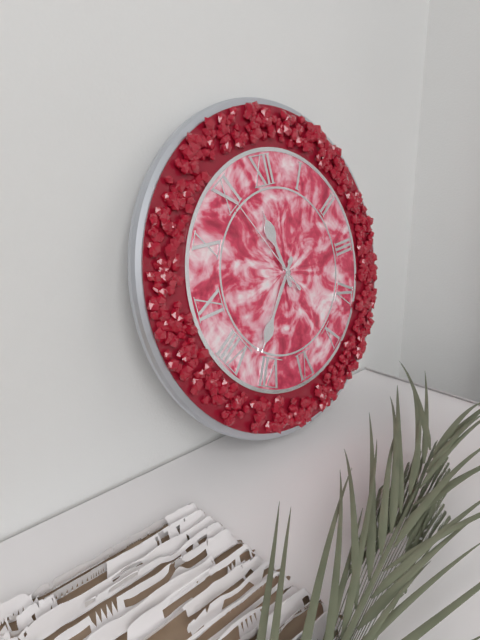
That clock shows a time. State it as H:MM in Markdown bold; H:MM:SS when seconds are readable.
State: **11:37:55**
